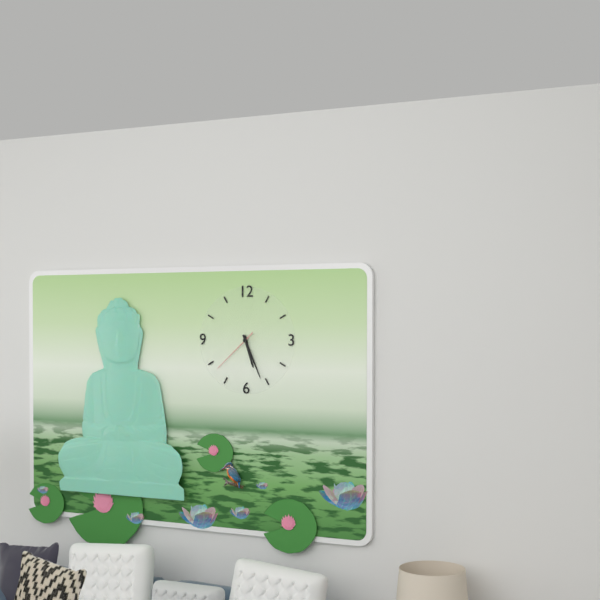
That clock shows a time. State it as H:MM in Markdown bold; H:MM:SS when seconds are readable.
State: **5:26:38**
